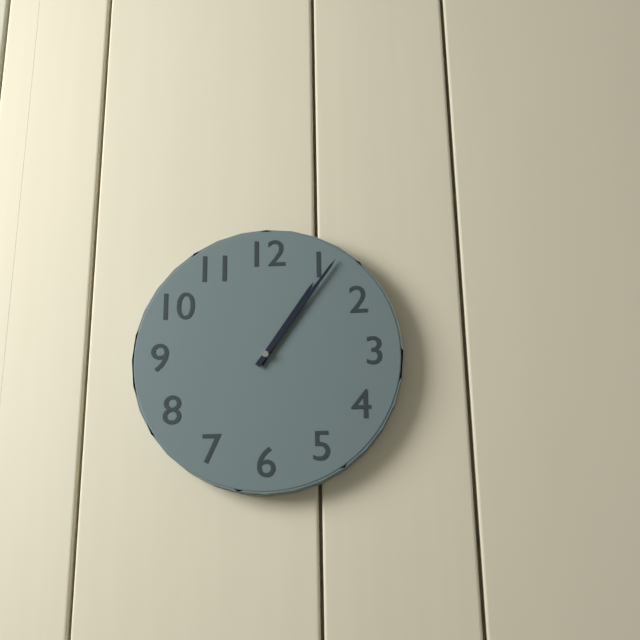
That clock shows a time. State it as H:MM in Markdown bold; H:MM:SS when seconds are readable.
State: **1:06**
